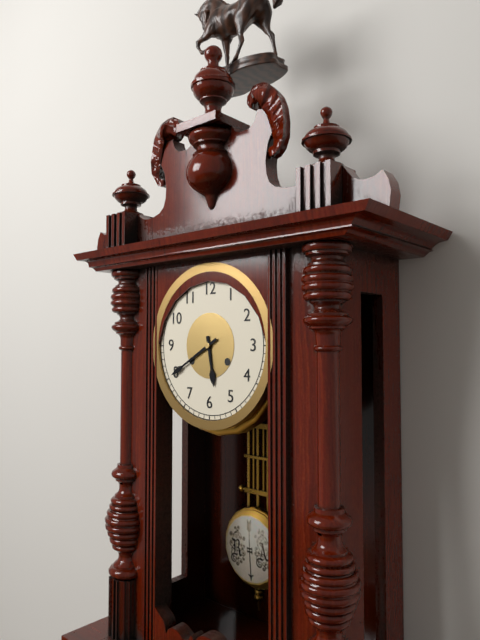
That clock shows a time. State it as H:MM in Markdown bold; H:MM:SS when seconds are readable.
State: **5:40**
